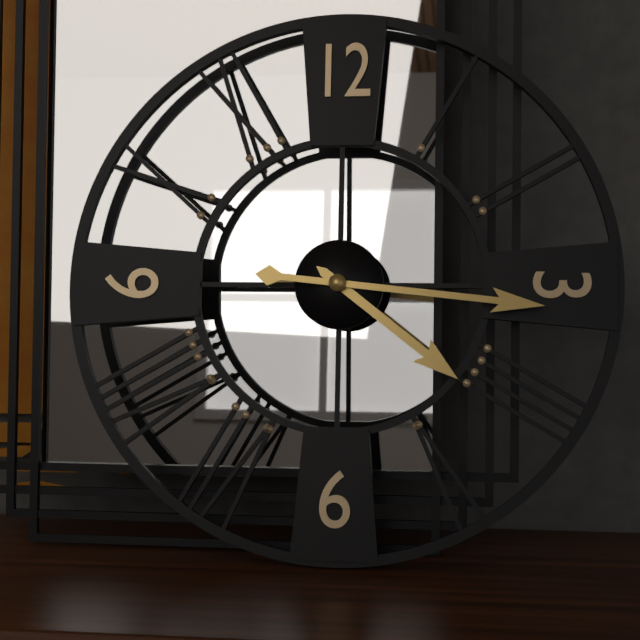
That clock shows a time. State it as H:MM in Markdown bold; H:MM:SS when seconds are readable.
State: **4:16**
